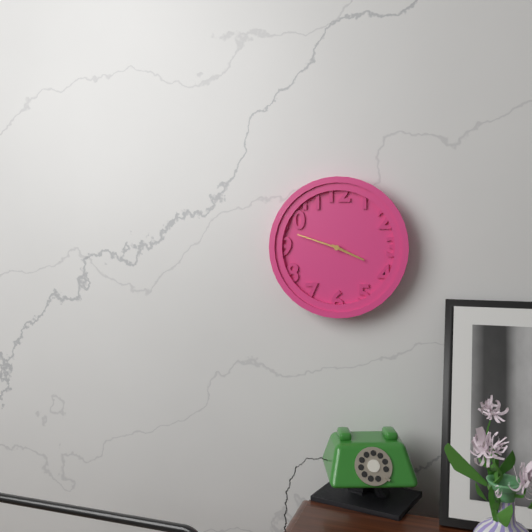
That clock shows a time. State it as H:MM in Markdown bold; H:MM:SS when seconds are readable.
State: **3:48**
